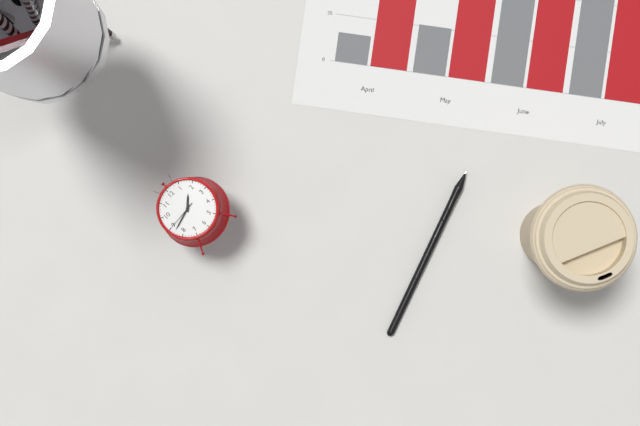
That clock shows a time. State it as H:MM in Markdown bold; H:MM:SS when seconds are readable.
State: **1:43**
